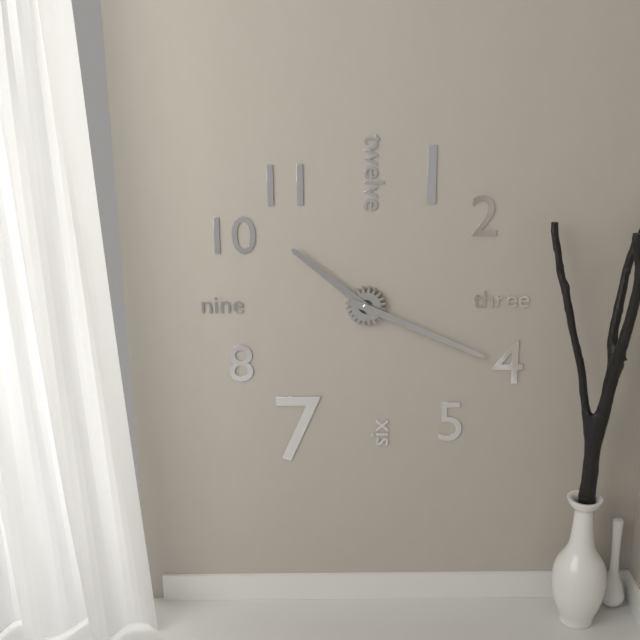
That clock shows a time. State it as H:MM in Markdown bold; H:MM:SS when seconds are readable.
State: **10:19**
